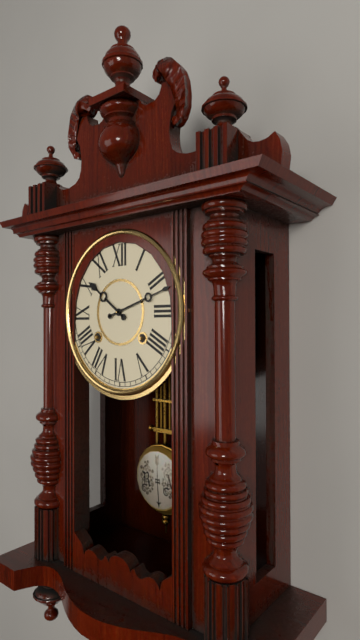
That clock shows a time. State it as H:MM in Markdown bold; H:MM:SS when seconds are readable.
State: **10:12**
